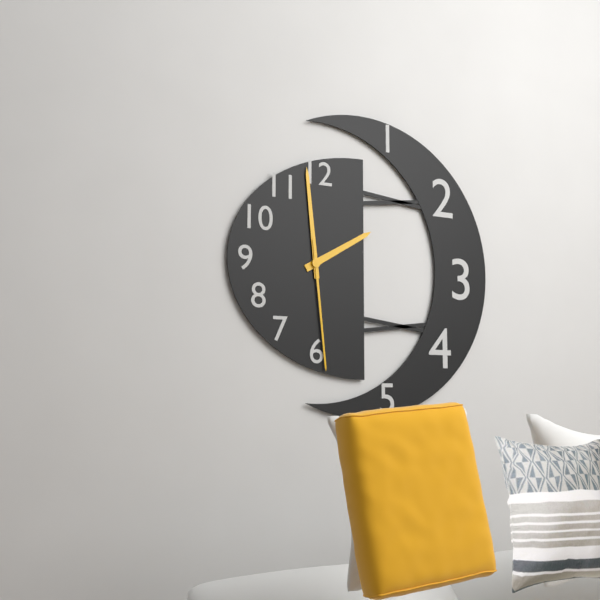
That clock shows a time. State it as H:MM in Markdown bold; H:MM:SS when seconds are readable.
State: **1:59:29**
